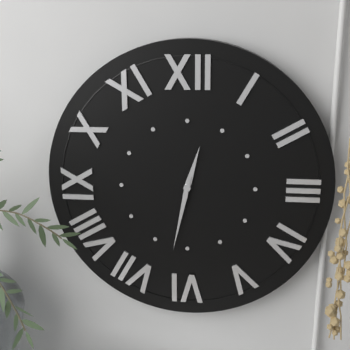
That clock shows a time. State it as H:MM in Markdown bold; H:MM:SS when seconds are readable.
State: **12:32**
